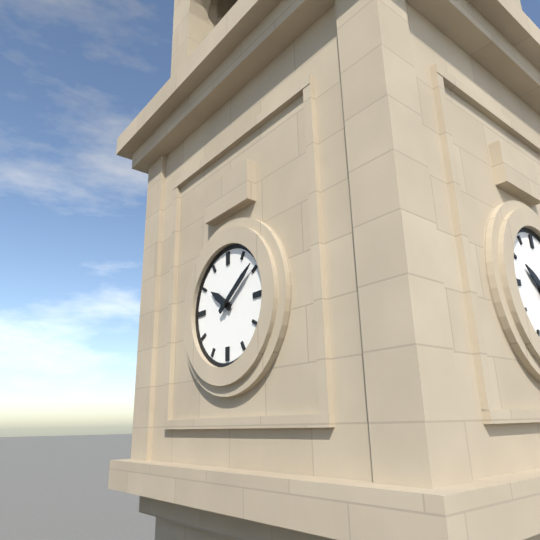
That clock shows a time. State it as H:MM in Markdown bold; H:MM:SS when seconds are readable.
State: **10:09**
